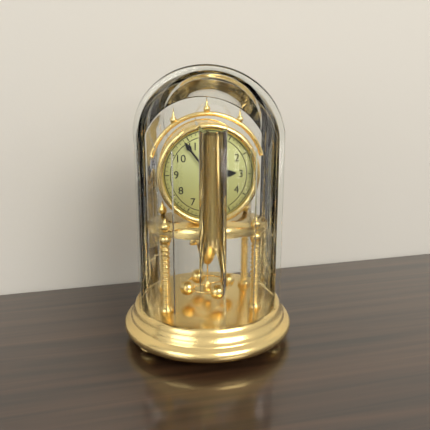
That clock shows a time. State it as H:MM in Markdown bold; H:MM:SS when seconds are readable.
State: **2:54**
